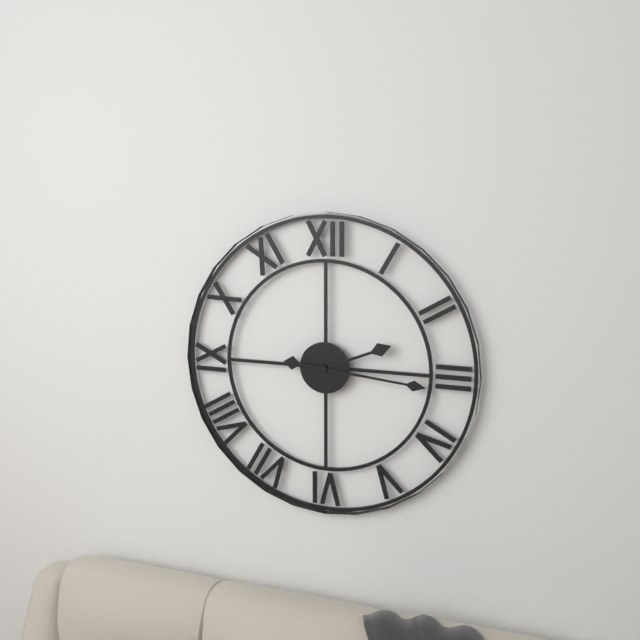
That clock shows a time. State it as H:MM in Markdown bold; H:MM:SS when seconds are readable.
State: **2:16**
